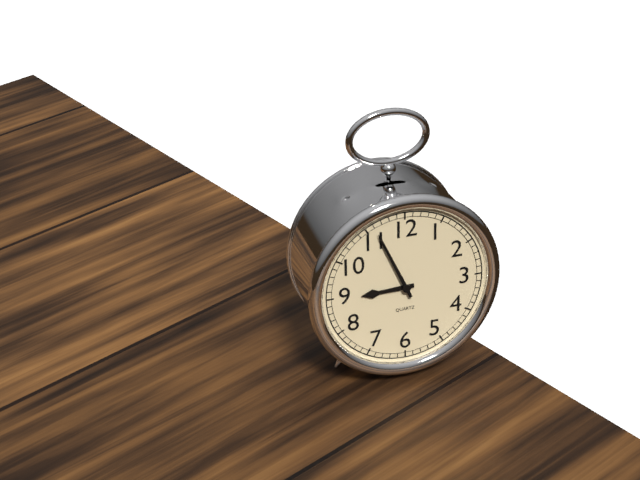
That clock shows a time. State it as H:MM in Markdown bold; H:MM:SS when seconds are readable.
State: **8:56**
